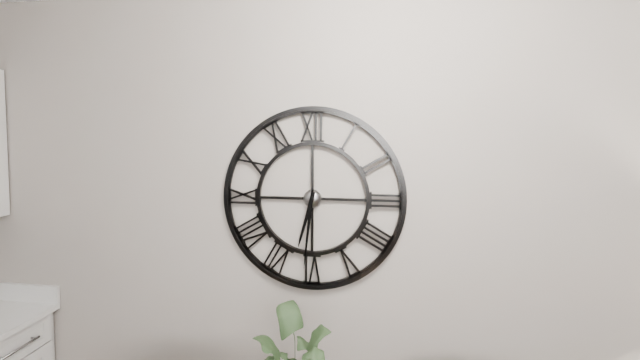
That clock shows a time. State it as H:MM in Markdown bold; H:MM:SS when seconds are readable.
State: **6:31**
